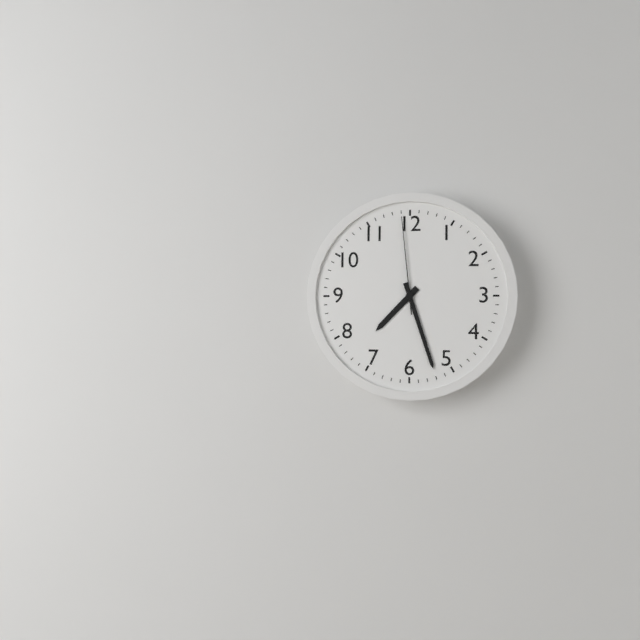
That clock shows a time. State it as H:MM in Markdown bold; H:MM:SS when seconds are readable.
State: **7:27:59**
